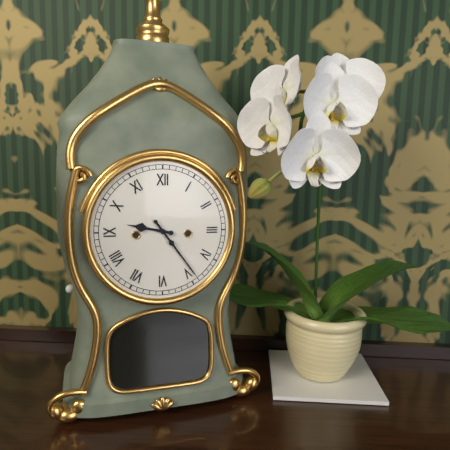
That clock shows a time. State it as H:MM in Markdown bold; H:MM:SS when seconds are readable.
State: **9:24**
